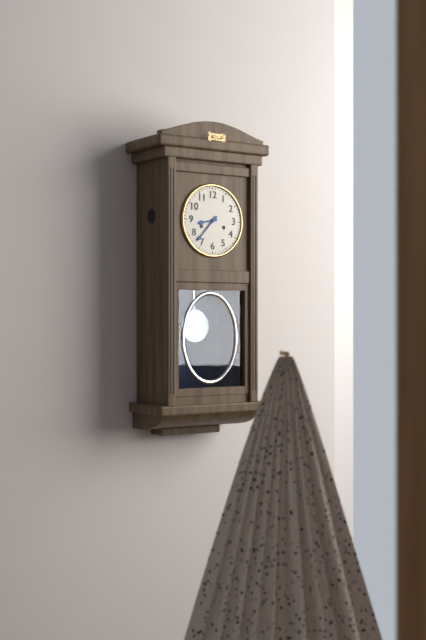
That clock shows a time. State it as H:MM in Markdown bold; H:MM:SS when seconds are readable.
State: **8:37**
